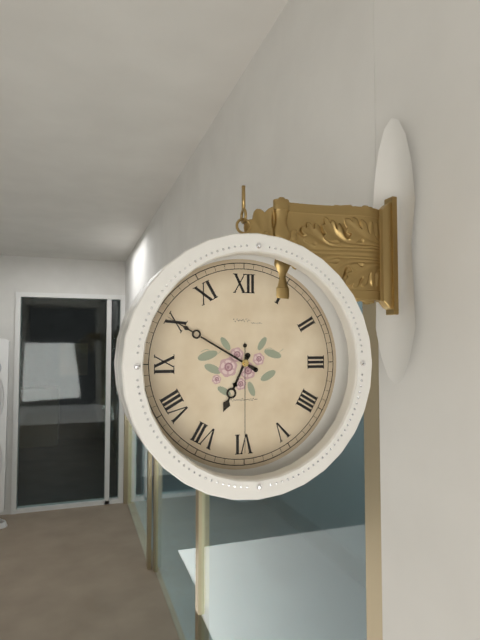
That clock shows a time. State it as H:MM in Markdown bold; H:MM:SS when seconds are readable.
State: **6:50:30**
